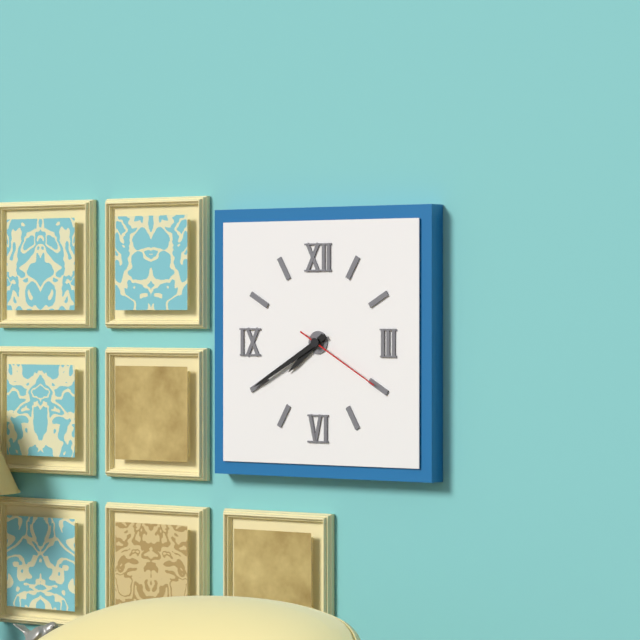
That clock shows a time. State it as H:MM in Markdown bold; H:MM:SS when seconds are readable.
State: **7:40:20**
